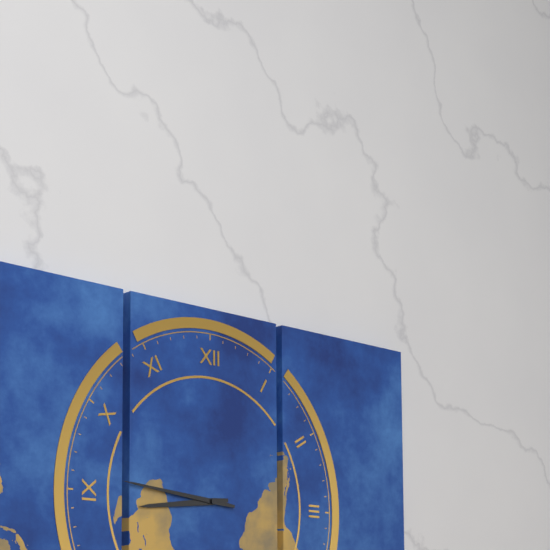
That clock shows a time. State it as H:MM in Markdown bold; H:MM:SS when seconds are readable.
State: **8:46**
